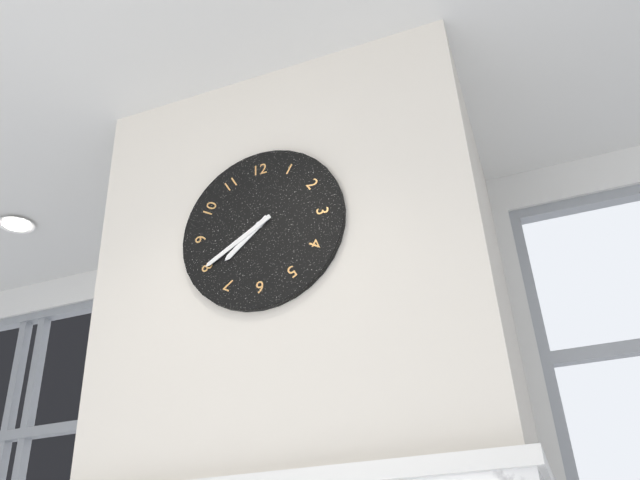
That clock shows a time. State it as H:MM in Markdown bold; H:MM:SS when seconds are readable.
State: **7:40**
